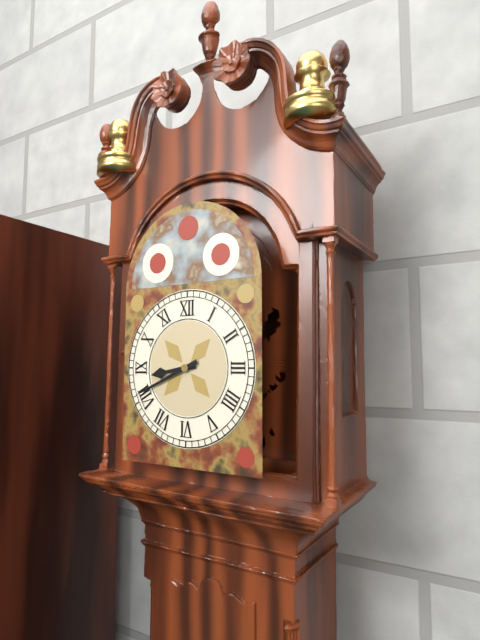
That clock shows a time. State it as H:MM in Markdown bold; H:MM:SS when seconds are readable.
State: **8:41**
